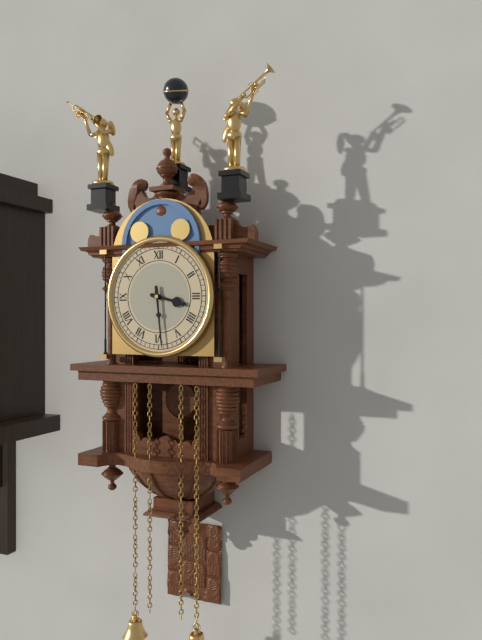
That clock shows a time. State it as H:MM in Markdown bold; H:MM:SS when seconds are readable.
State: **3:29**
